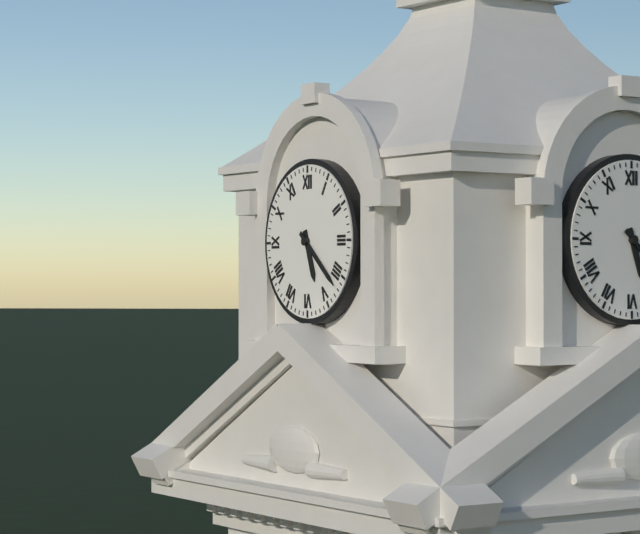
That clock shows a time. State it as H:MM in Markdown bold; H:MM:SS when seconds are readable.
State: **5:22**
